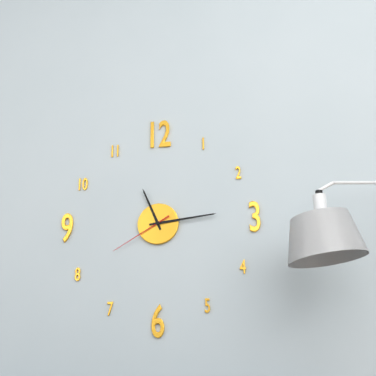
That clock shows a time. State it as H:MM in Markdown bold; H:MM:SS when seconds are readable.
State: **11:14:40**
